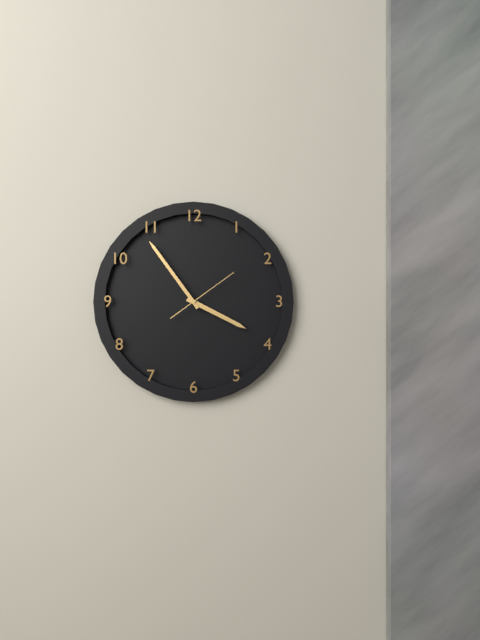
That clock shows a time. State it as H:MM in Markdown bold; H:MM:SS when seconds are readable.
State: **3:54:09**
